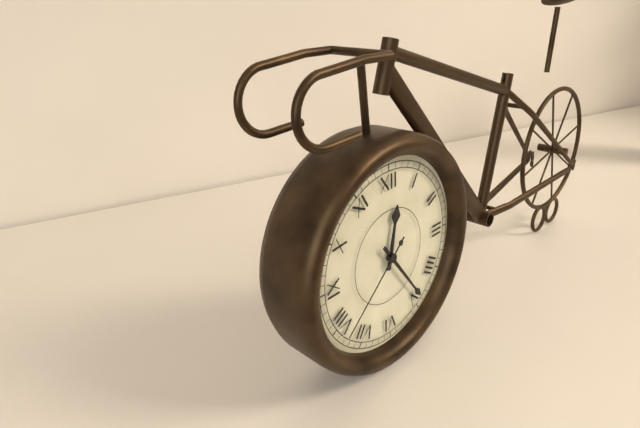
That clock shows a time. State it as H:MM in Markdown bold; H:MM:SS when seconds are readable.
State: **12:24:38**
